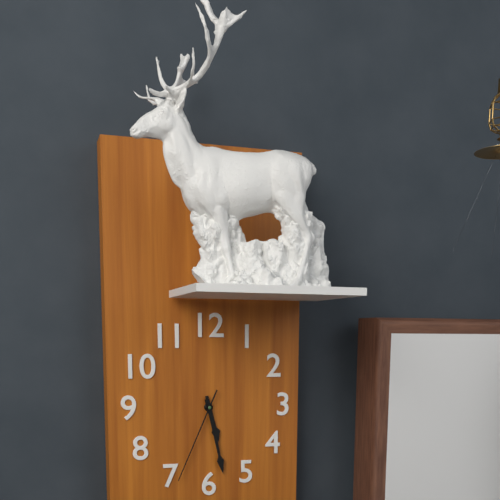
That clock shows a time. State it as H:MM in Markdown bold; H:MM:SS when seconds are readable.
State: **5:28:34**
